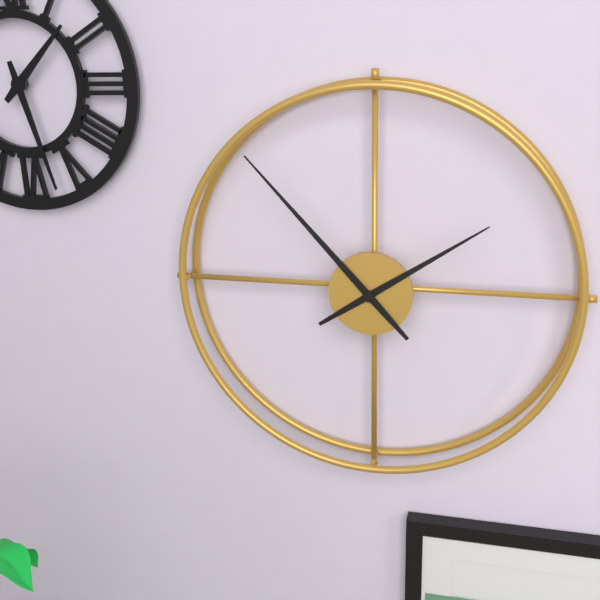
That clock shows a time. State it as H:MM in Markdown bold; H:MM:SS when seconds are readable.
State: **1:53**
